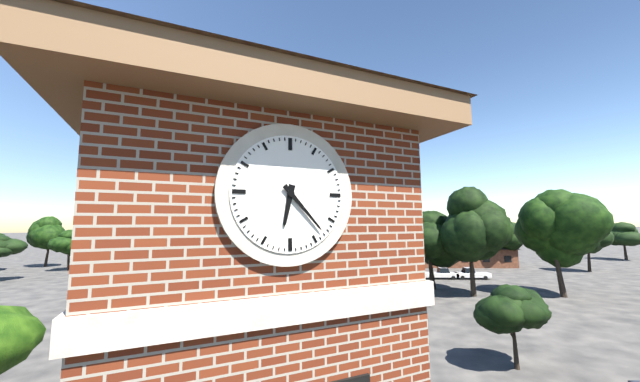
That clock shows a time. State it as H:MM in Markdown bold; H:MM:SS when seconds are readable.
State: **6:23**
